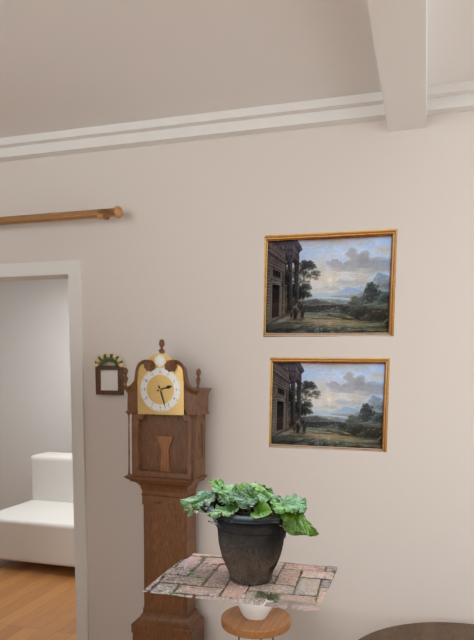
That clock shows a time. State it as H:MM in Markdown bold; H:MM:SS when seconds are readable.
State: **2:27**
